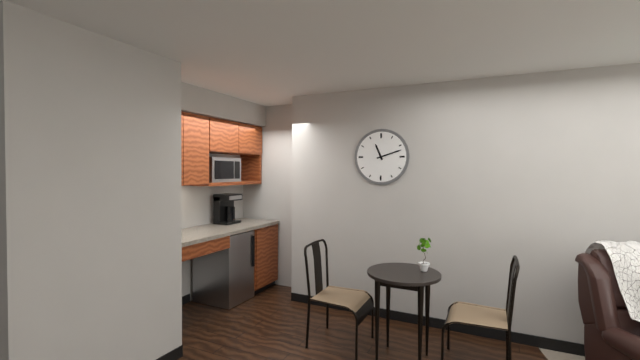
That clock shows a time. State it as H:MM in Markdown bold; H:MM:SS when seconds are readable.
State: **11:12**
